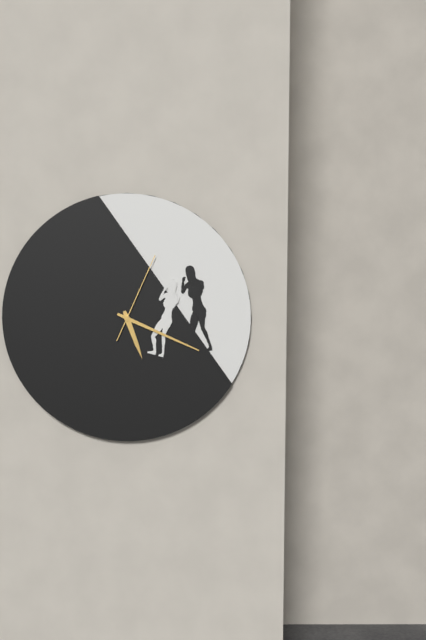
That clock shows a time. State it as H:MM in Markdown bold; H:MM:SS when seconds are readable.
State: **5:19:04**
